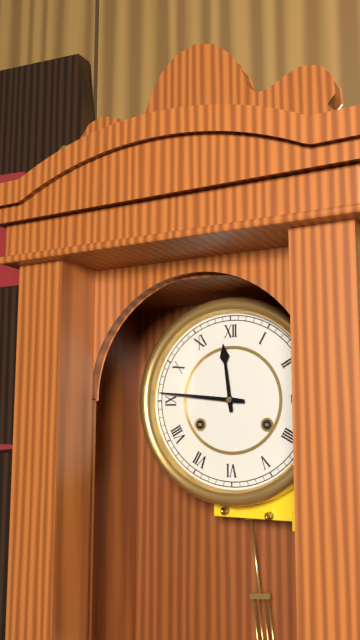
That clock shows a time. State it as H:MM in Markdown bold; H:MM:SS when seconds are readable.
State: **11:46**
